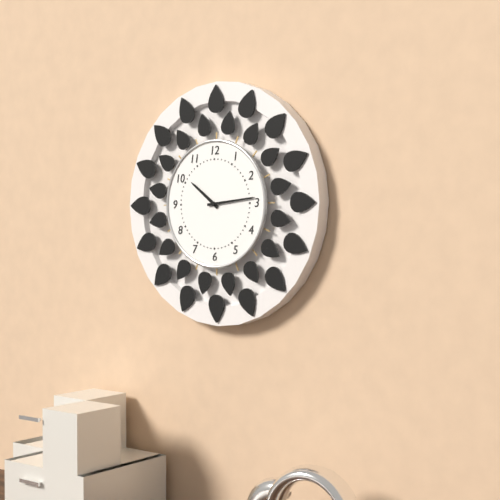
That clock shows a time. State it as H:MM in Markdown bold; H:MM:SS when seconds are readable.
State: **10:14**
